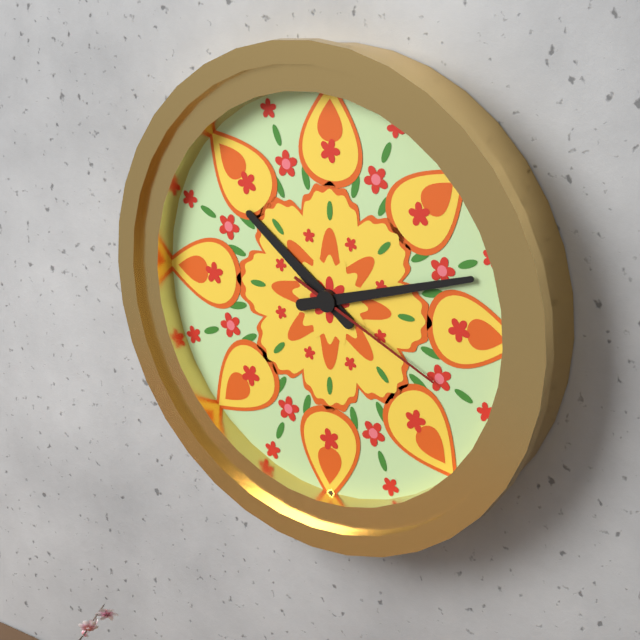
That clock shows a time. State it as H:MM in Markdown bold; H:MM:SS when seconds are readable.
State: **10:12:19**
